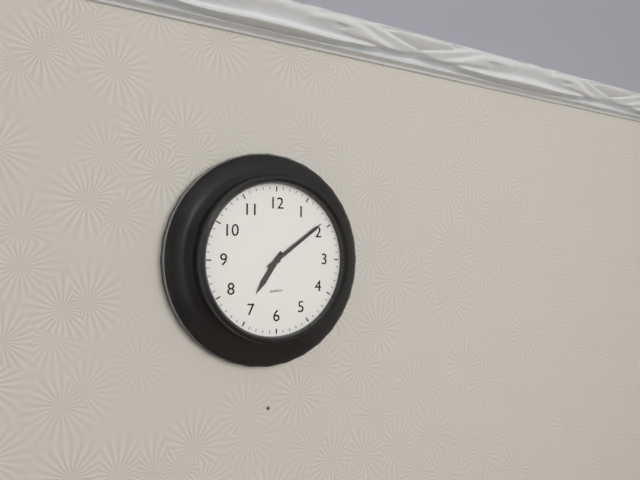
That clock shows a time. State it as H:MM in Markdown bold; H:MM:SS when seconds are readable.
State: **7:09**
